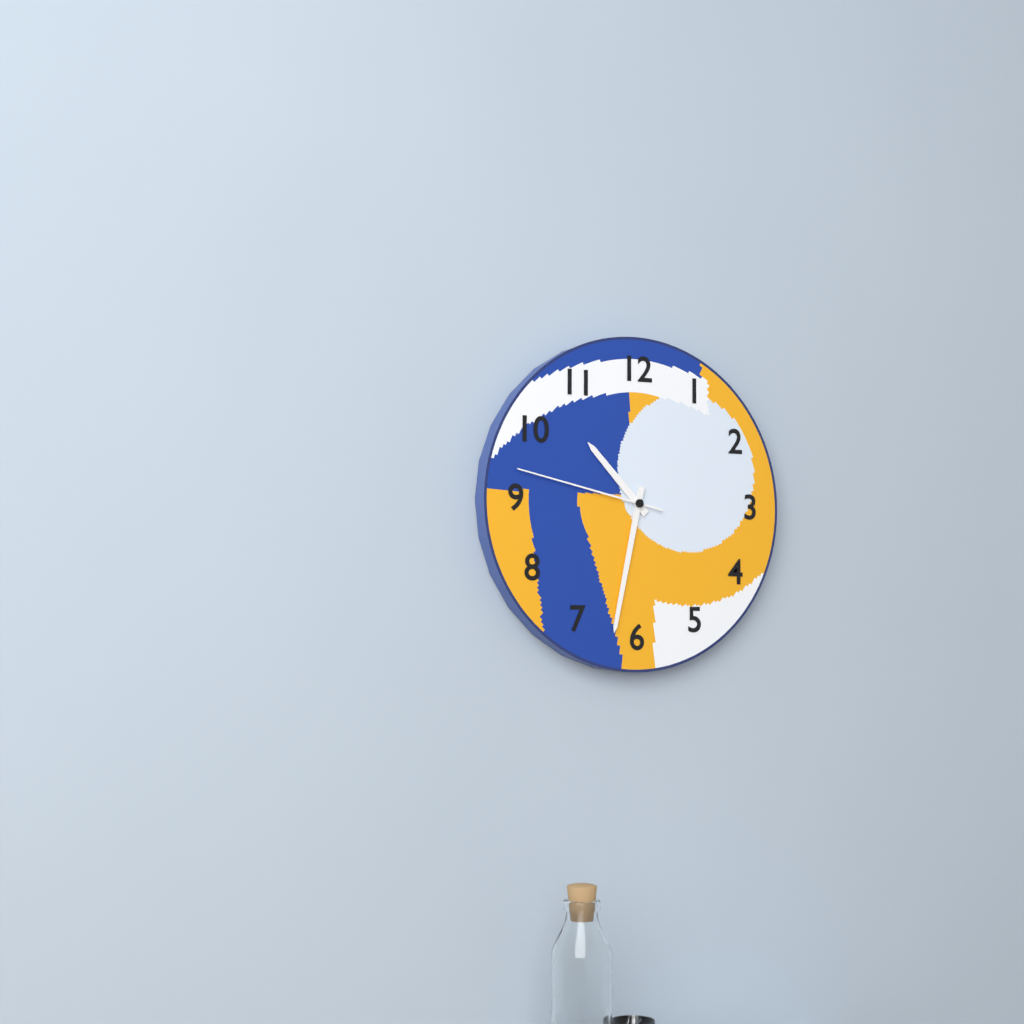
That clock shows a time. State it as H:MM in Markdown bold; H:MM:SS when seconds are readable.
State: **10:32:47**
